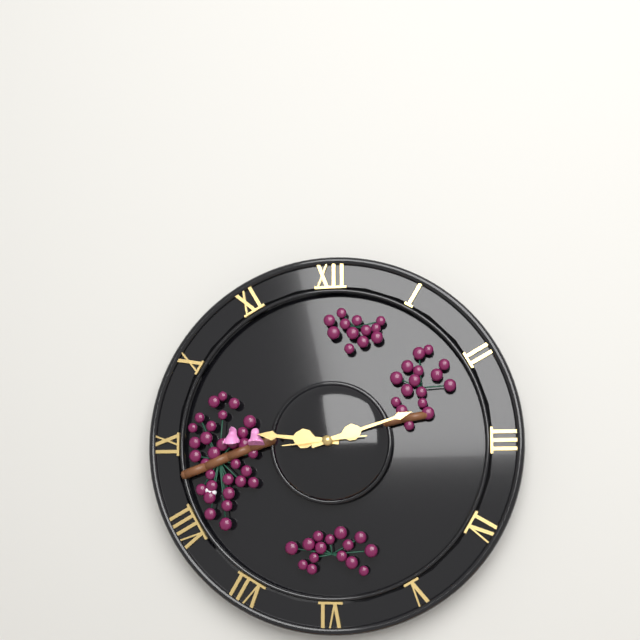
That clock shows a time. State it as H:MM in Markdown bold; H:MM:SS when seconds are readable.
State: **9:12:44**
